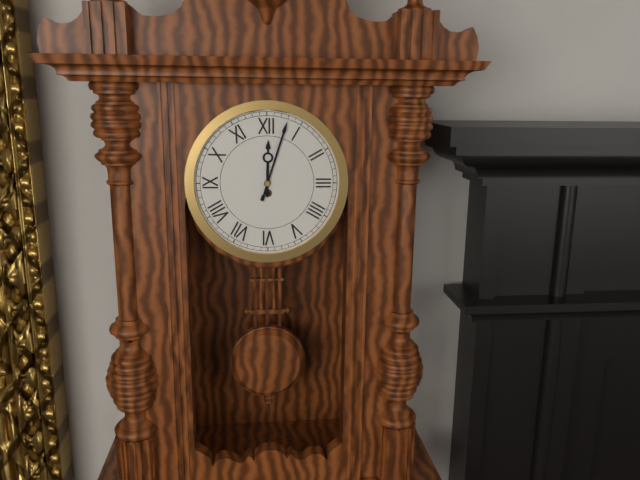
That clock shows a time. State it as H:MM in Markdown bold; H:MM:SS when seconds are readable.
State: **12:03**
